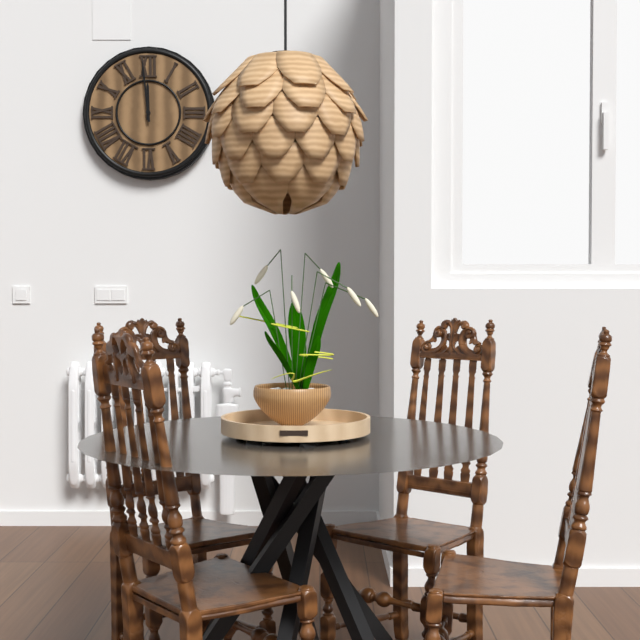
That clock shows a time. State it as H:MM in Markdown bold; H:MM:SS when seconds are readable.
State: **11:59**
